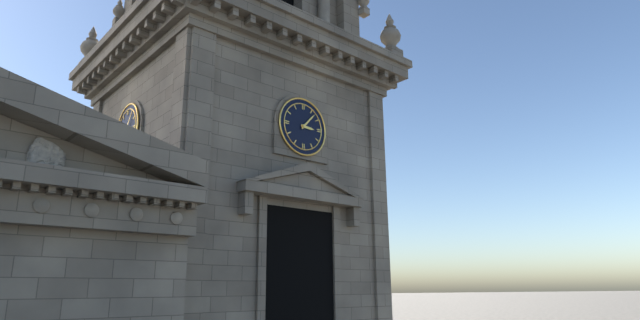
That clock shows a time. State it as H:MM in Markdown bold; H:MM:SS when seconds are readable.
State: **3:07**
